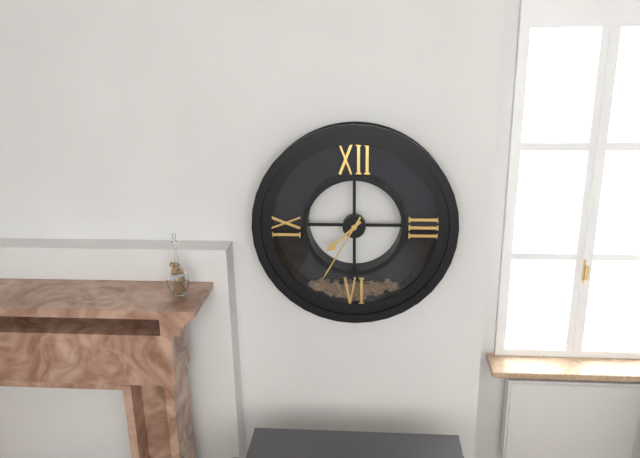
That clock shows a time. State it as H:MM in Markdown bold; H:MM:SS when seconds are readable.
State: **7:35**
